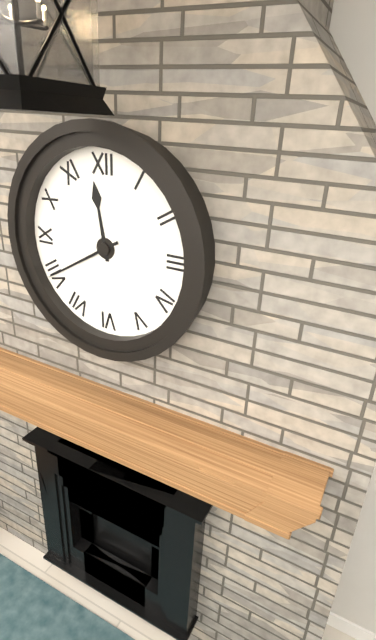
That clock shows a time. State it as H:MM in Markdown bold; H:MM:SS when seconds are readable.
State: **11:40**
